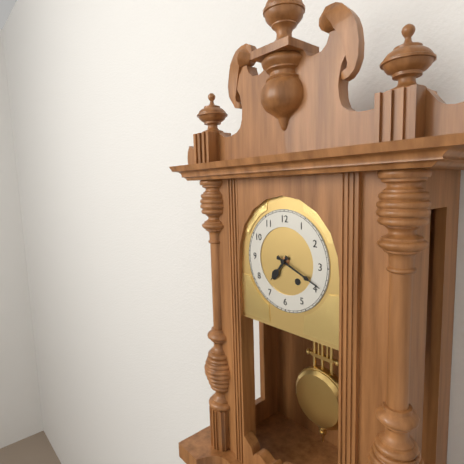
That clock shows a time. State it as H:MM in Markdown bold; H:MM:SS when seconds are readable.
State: **7:19**
